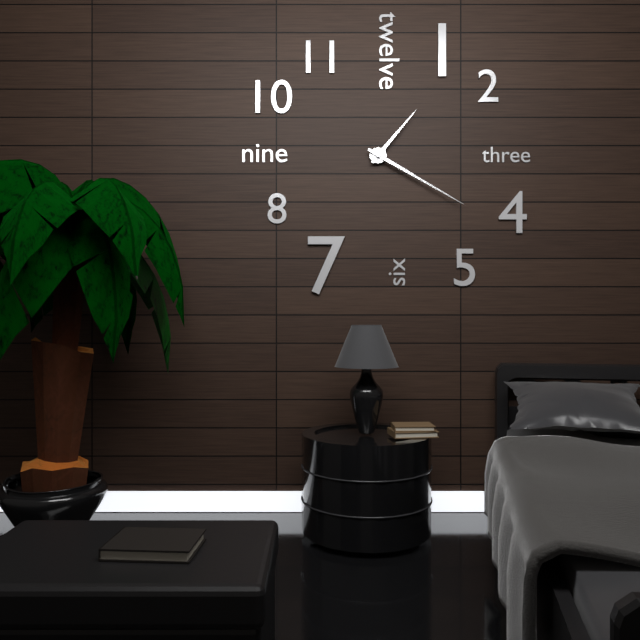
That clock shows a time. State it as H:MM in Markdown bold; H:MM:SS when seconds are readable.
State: **1:20**
